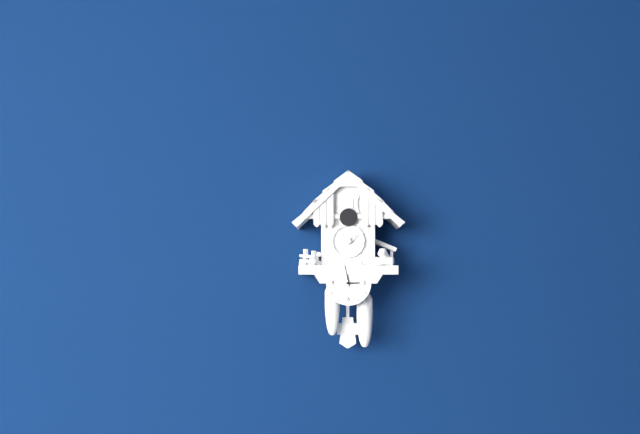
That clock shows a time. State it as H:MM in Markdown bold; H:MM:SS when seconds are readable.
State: **2:58**
